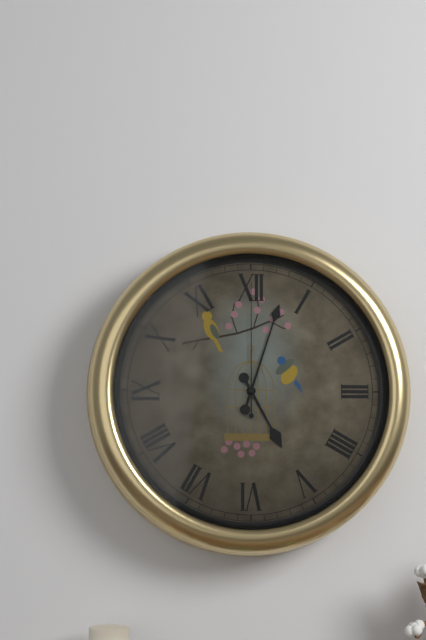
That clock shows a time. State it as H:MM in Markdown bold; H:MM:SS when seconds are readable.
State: **5:03:00**
